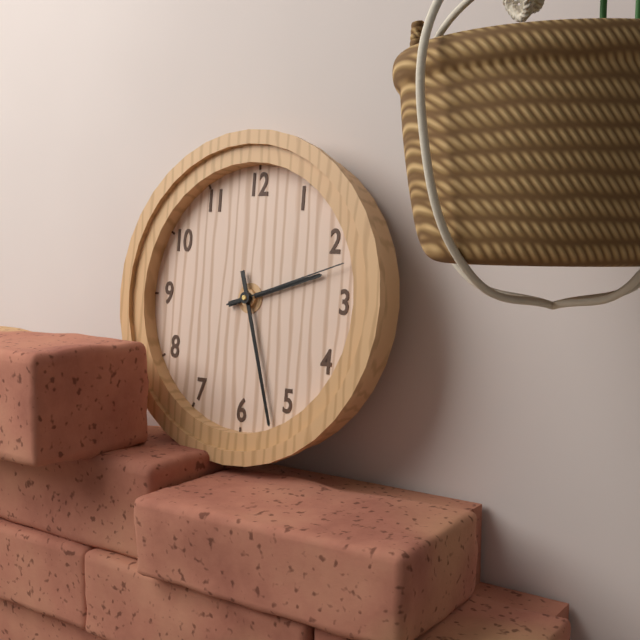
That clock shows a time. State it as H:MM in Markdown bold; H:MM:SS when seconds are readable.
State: **2:27:12**
